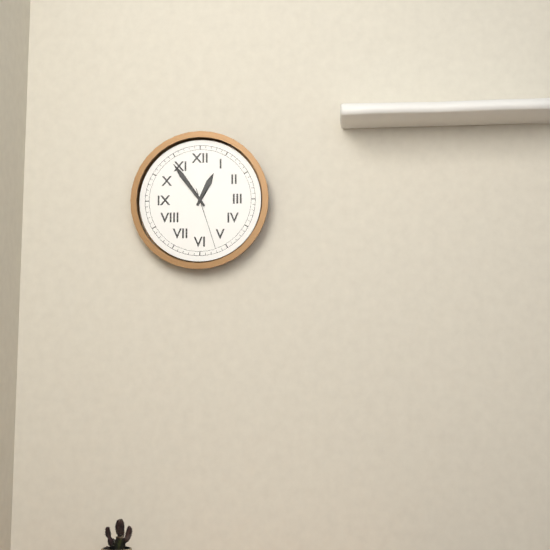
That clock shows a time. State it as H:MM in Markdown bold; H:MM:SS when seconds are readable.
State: **12:54:27**
